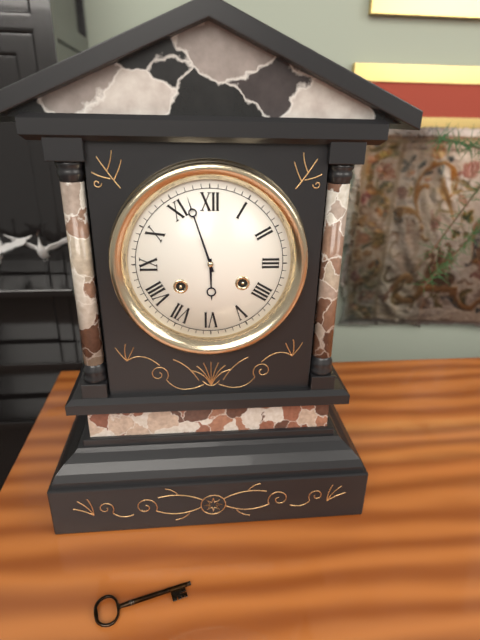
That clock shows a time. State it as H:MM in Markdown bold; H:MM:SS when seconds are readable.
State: **5:57**
